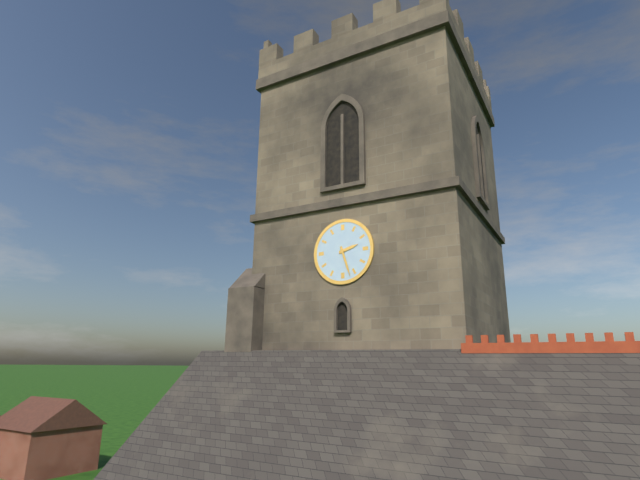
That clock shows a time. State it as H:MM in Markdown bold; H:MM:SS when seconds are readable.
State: **2:27**
